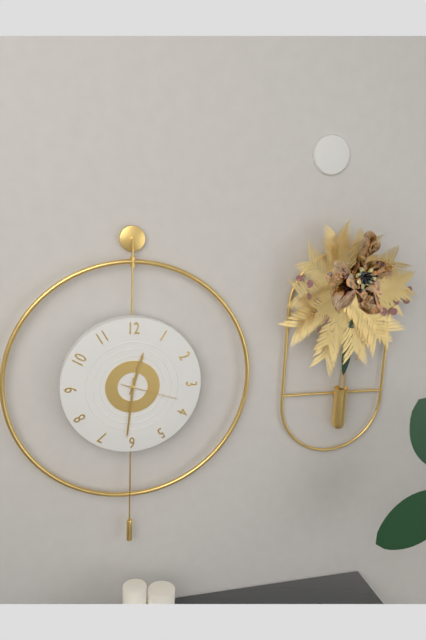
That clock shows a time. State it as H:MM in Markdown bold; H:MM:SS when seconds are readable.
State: **12:31:18**
